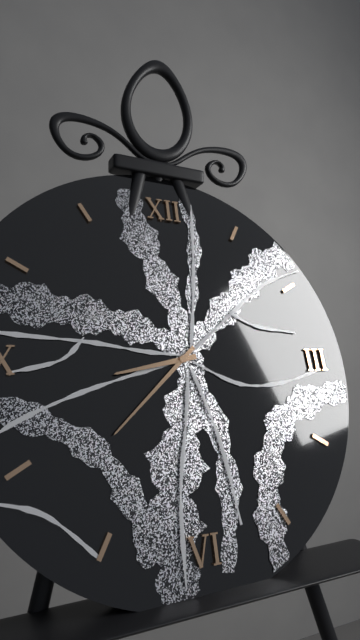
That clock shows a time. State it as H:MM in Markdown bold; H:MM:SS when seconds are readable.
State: **8:38**
